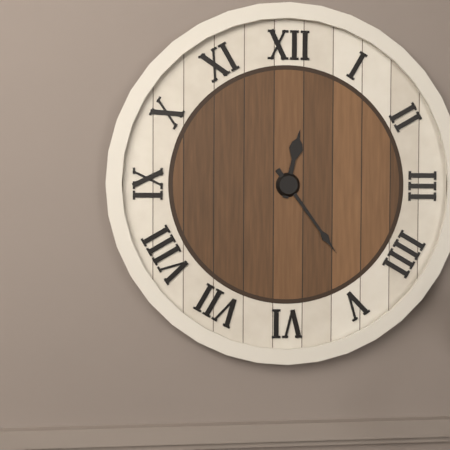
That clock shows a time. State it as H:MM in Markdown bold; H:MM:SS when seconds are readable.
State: **12:24**
